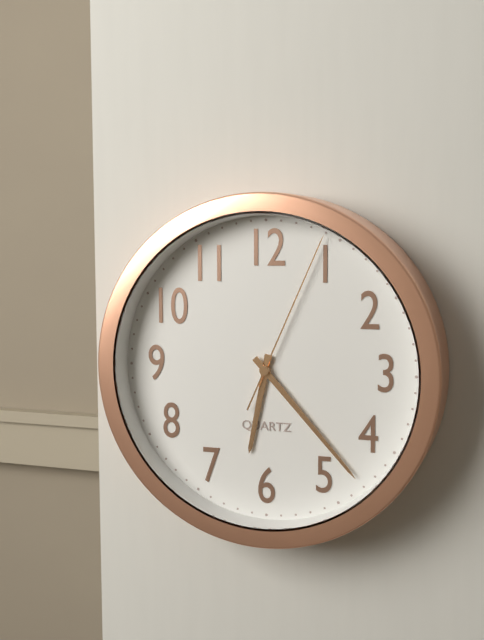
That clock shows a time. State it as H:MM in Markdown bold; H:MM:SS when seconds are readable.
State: **6:23:04**
